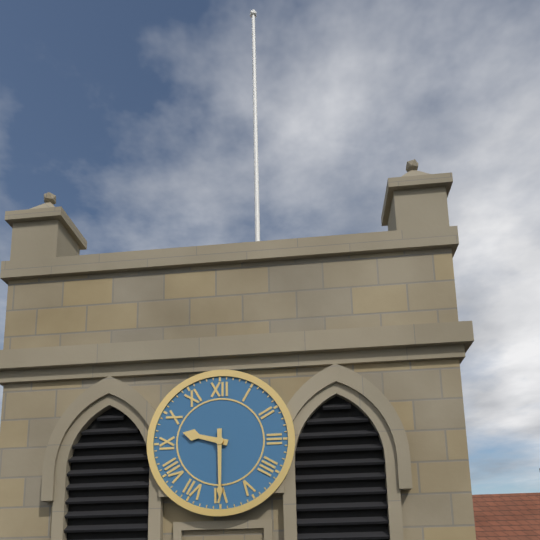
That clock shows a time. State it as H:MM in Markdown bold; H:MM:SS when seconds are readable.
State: **9:30**
